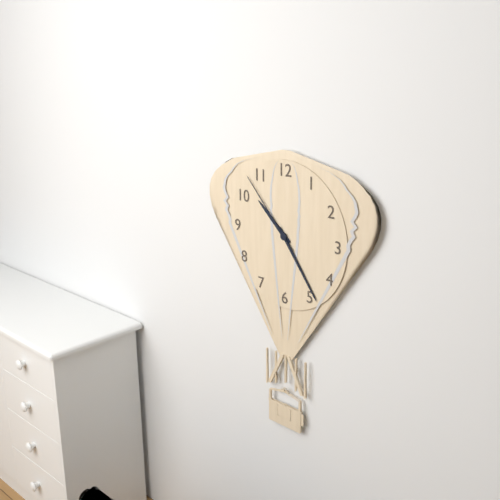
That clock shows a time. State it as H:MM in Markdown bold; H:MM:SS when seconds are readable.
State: **10:24:53**
